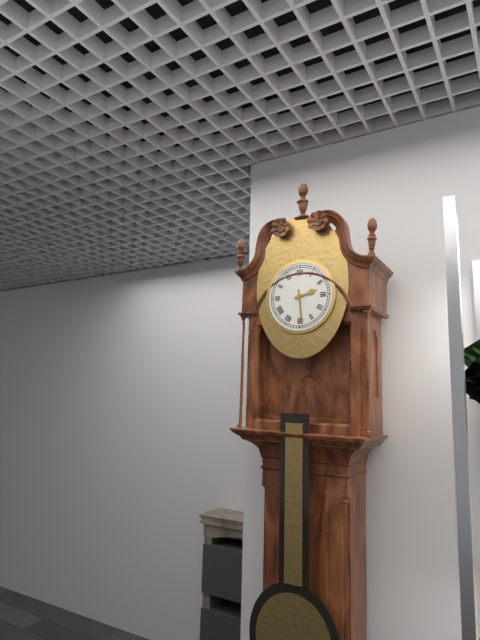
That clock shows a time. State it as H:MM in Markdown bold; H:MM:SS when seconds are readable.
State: **2:29**
